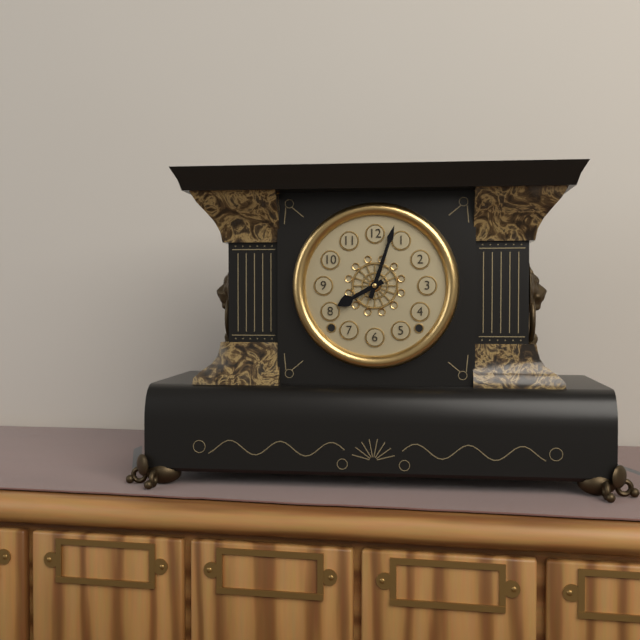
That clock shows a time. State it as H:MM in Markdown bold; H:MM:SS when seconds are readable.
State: **8:03**
